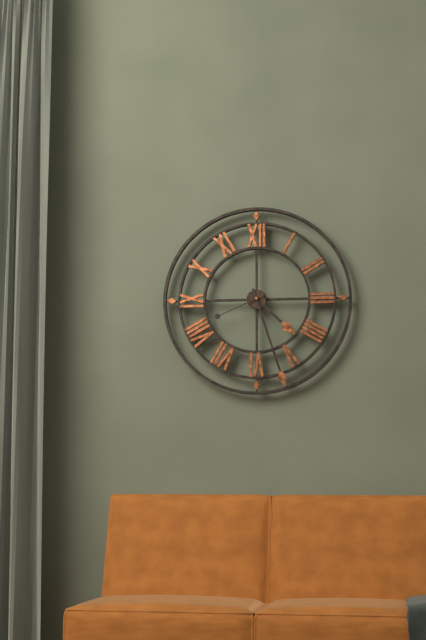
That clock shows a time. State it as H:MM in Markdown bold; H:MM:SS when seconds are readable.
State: **4:27:41**
